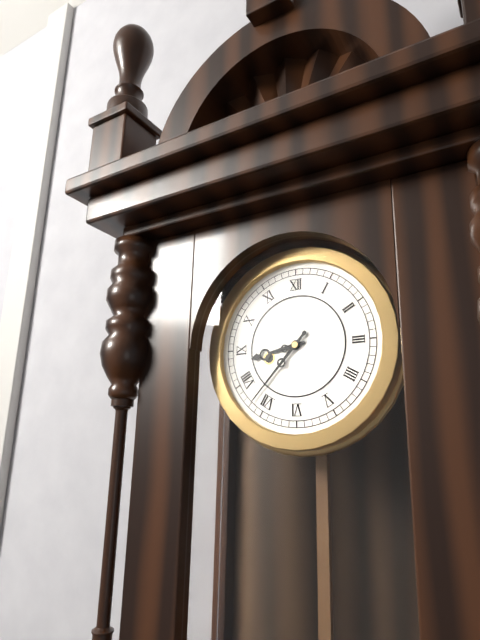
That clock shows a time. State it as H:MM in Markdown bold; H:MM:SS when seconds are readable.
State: **8:37**
